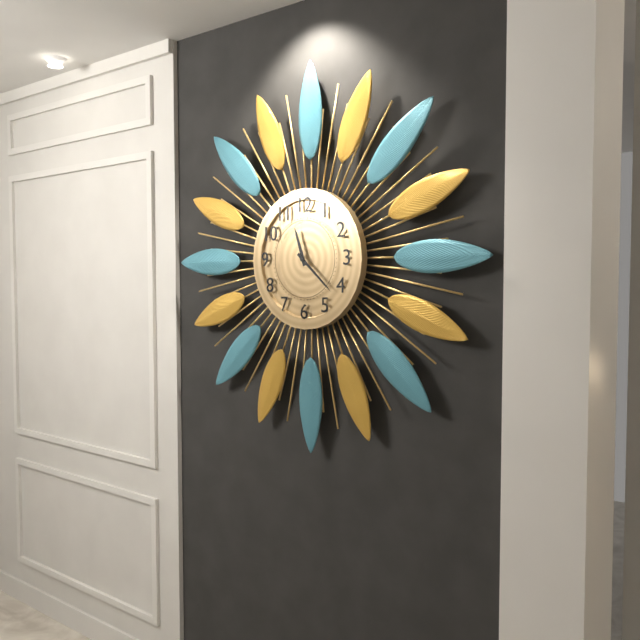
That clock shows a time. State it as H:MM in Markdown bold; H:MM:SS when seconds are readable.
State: **11:22**
